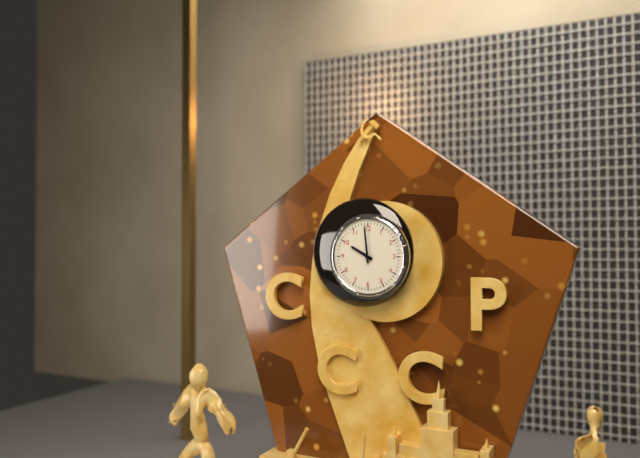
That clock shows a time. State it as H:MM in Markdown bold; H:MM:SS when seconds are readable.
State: **9:59**
